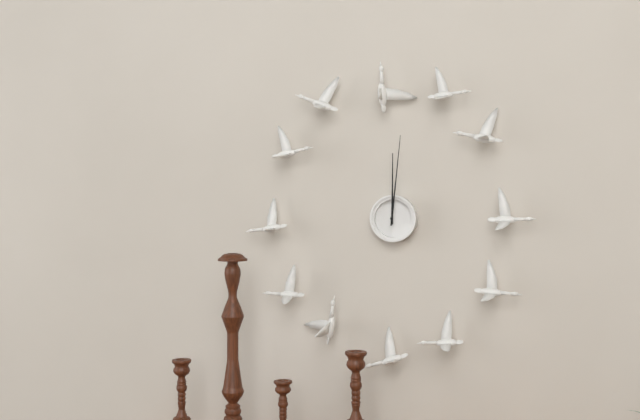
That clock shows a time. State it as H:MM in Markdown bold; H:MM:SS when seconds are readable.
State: **12:01**
